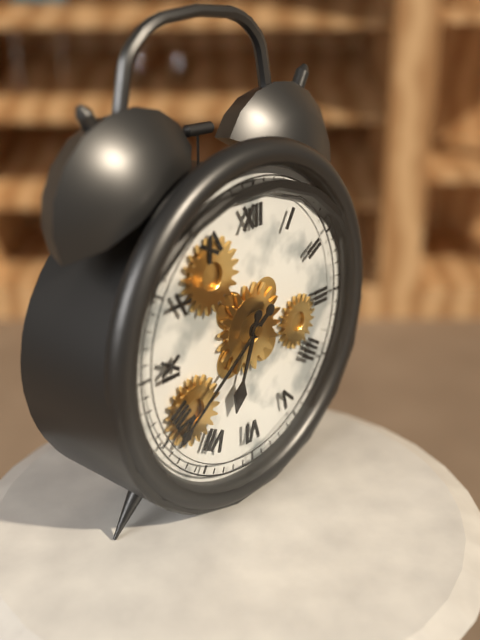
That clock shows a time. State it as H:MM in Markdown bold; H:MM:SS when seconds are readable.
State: **6:39**
